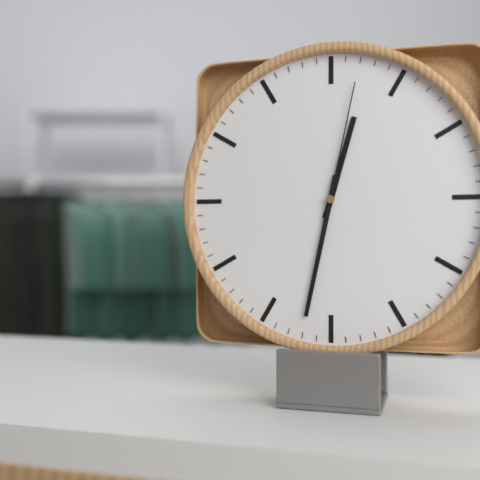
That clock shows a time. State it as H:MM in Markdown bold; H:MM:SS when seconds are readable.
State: **12:32:02**
